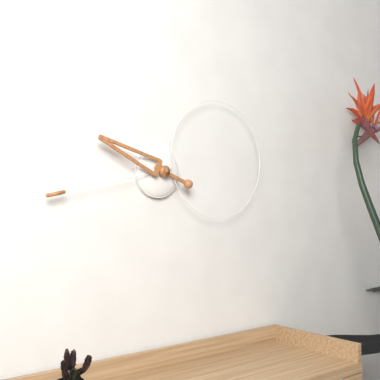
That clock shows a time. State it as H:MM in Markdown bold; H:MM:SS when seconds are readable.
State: **9:43**
